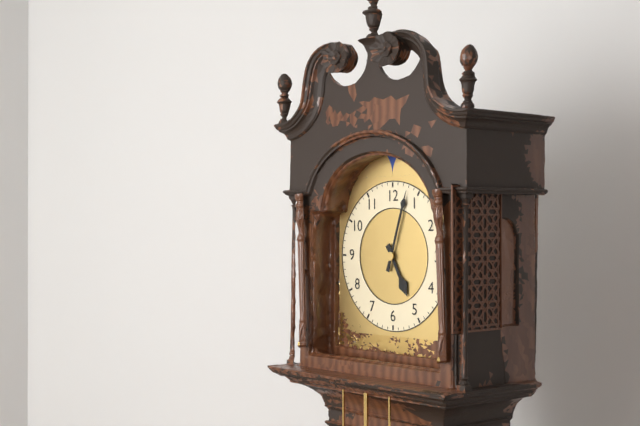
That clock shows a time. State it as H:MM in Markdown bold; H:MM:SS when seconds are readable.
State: **5:03**
